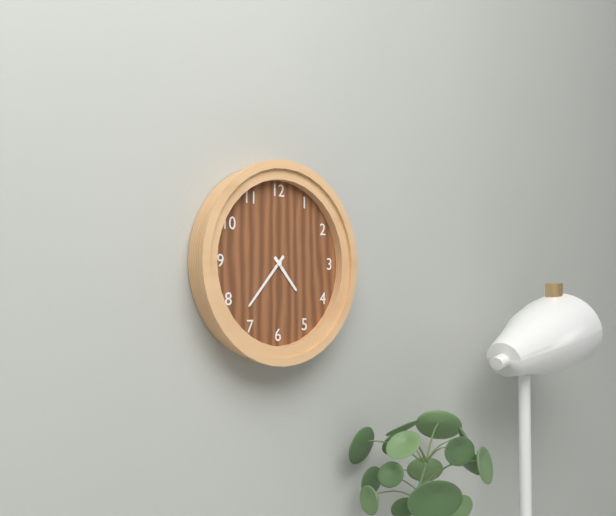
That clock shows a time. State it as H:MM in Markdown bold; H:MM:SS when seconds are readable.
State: **4:37**
